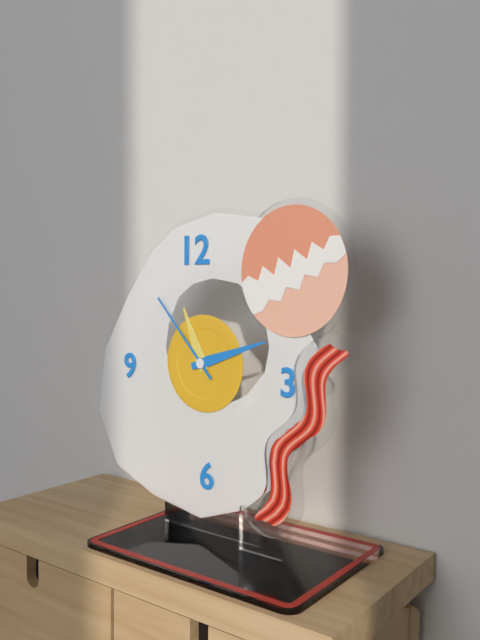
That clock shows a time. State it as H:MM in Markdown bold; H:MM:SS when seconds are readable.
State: **11:12:53**
